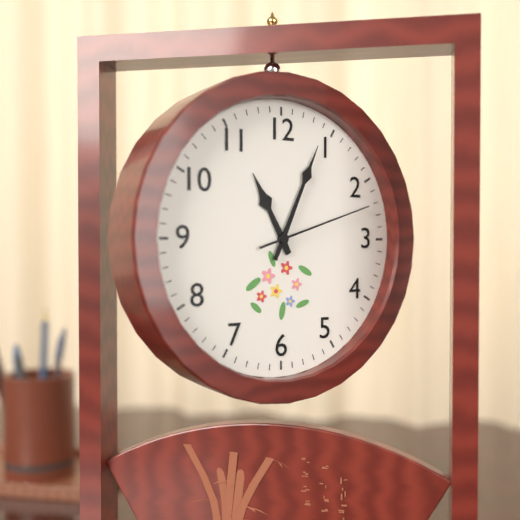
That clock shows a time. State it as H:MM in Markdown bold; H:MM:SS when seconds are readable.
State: **11:04:12**
